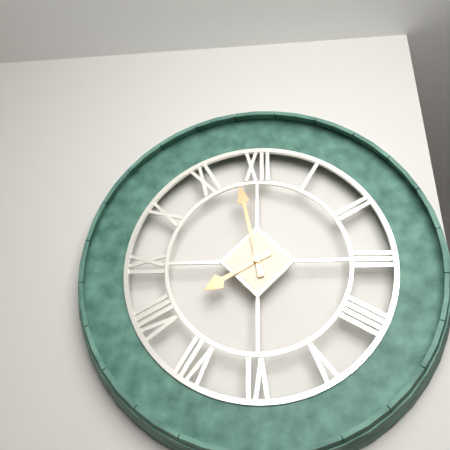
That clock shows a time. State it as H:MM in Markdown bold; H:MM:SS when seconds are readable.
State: **7:58**
